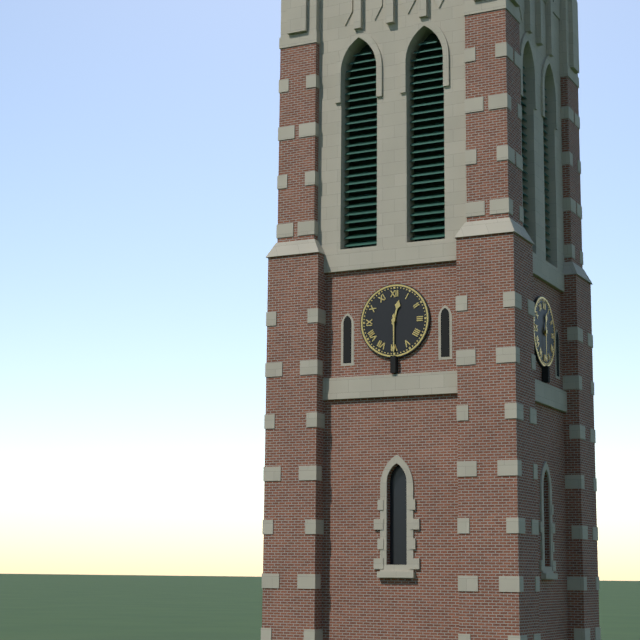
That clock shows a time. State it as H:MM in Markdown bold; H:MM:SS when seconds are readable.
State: **12:30**
